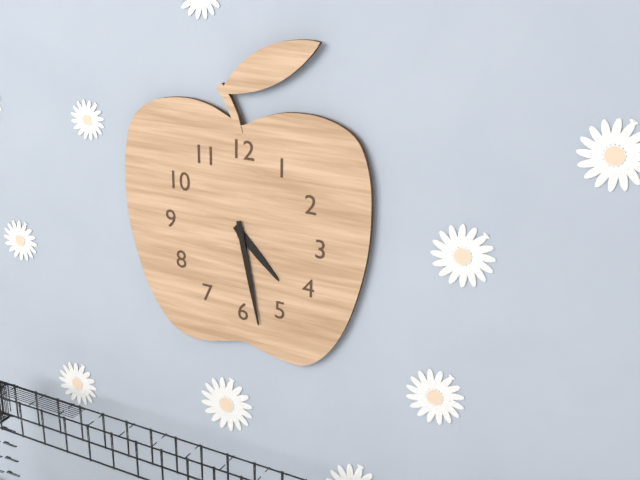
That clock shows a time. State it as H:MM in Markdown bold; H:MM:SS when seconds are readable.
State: **4:28**
